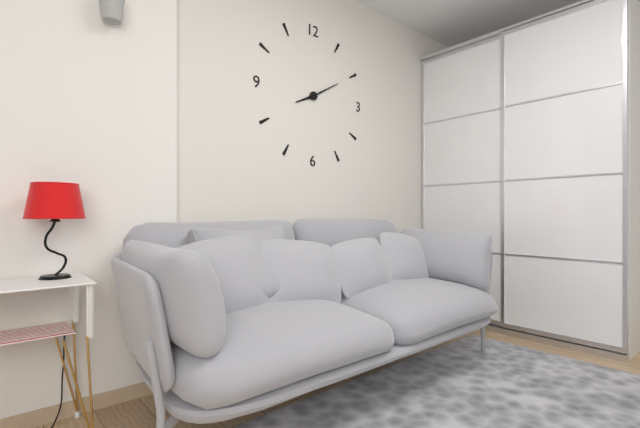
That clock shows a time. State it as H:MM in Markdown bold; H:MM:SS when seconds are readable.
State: **8:10**
